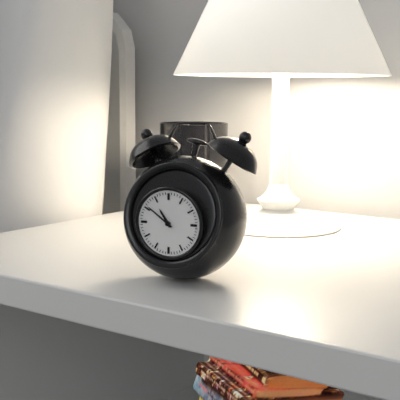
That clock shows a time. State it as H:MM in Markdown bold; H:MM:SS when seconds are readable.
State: **10:51**
